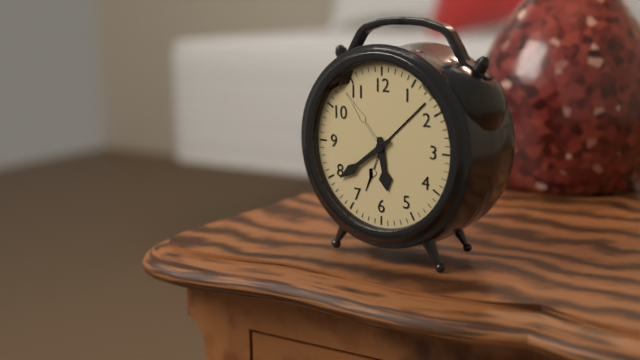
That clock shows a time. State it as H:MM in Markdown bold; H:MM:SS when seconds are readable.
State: **5:39**
